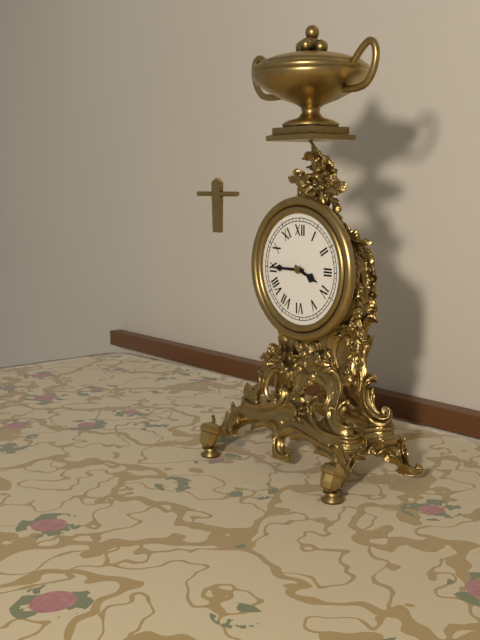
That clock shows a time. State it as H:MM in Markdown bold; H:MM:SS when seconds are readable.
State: **3:45**
